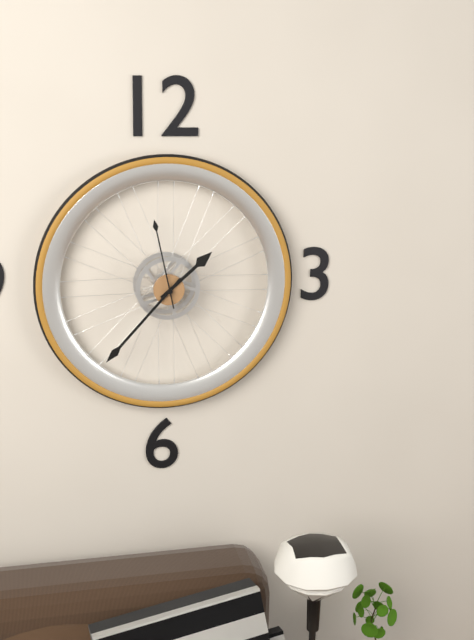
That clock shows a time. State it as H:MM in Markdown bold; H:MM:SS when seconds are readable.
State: **1:37:58**
